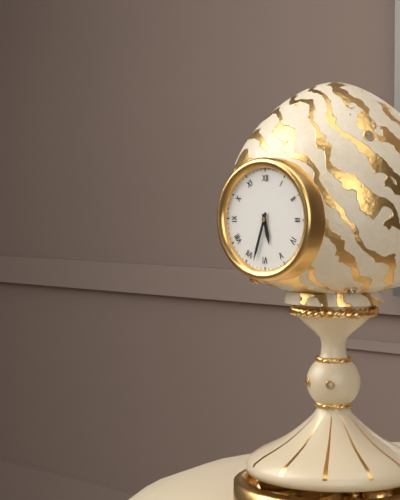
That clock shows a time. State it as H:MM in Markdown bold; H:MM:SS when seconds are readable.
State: **5:33**
